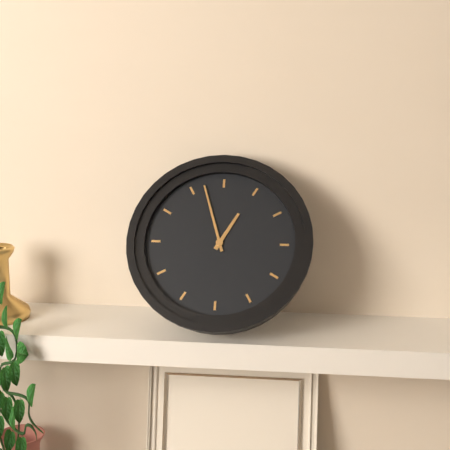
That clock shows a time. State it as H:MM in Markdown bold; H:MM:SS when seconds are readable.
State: **12:57**
